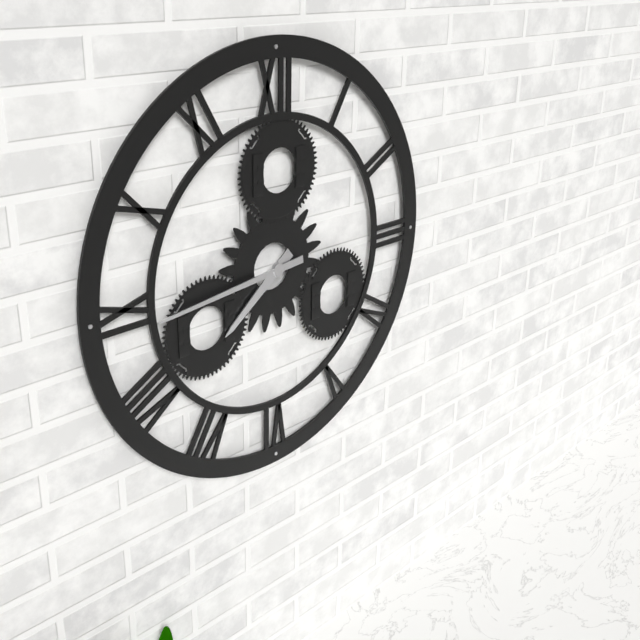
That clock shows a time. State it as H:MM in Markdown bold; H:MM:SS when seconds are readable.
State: **7:44**
